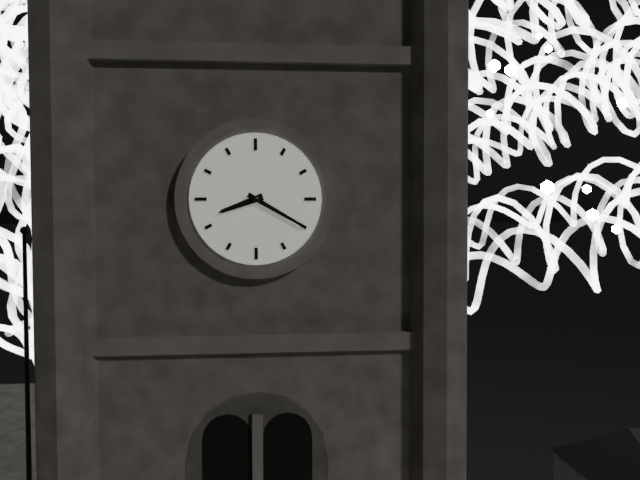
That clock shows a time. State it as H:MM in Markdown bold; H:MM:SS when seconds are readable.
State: **8:20**
